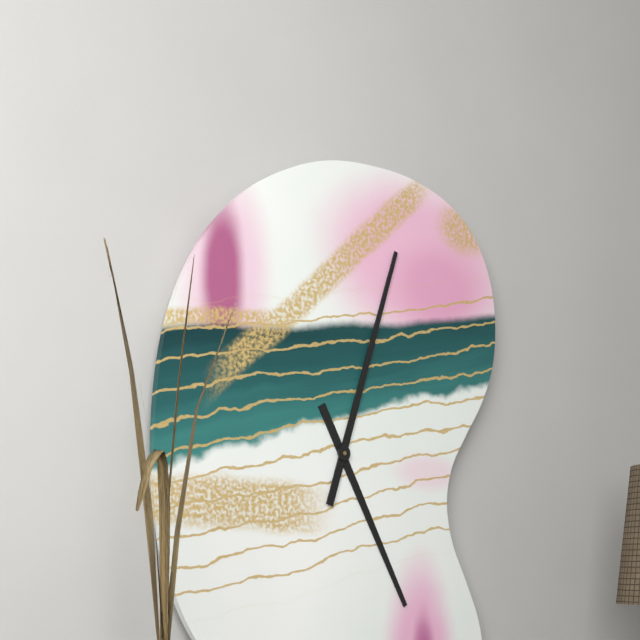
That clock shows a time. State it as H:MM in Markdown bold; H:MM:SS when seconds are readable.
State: **5:03**
